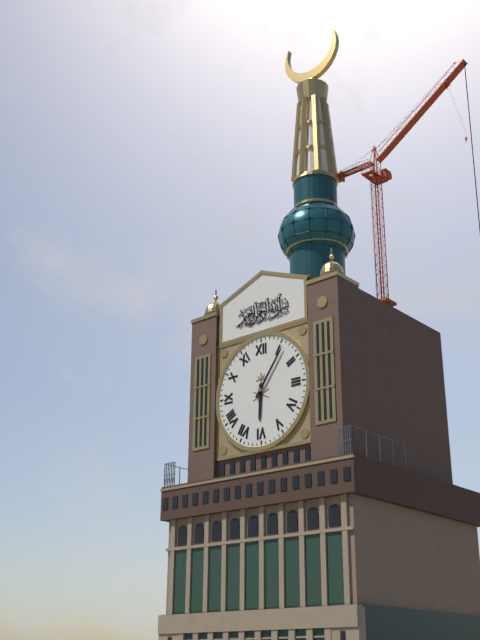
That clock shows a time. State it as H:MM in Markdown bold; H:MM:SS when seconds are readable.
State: **6:06**
